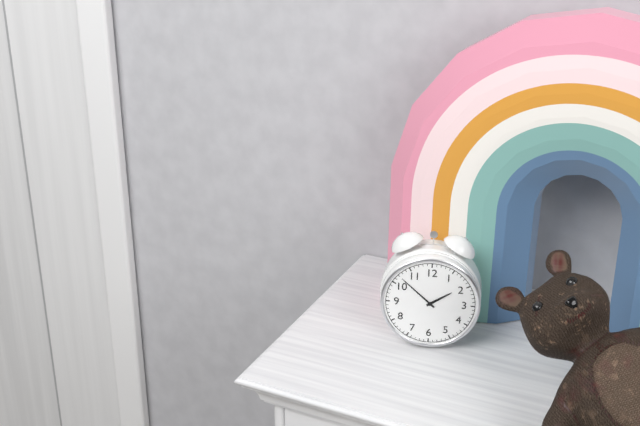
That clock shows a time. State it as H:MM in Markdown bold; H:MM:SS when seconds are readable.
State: **1:52**
